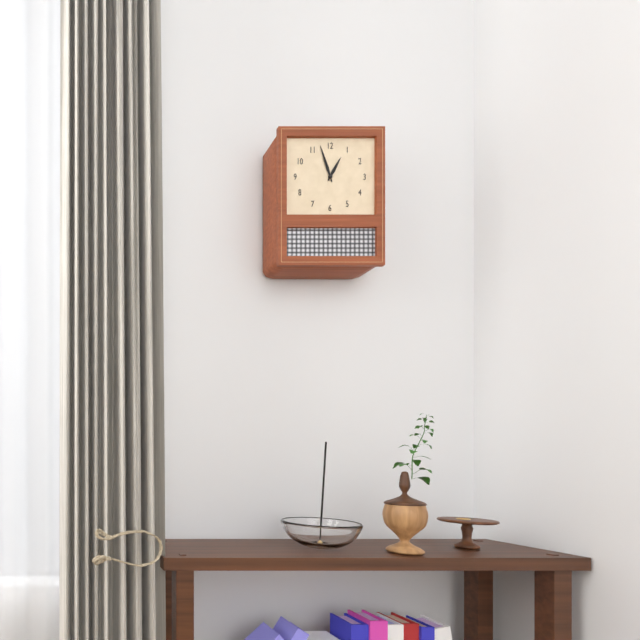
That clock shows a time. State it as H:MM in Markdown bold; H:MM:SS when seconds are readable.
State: **12:57**
